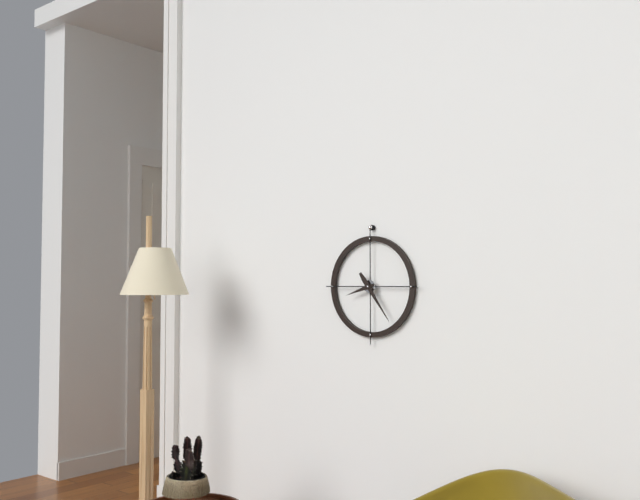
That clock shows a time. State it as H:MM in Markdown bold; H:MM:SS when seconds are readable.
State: **8:24**
